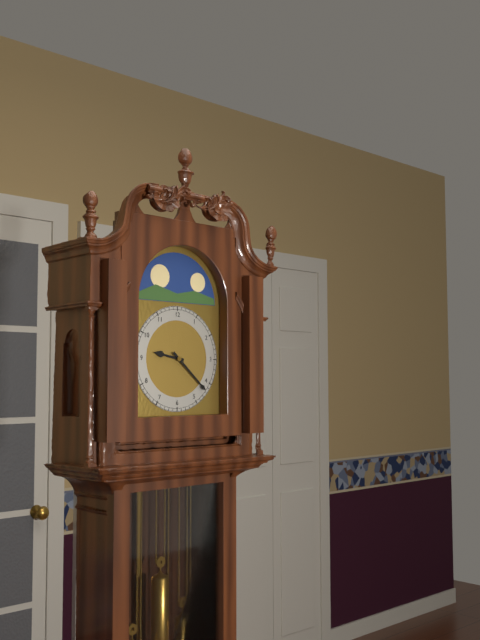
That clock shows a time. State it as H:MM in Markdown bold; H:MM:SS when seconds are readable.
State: **9:22**
